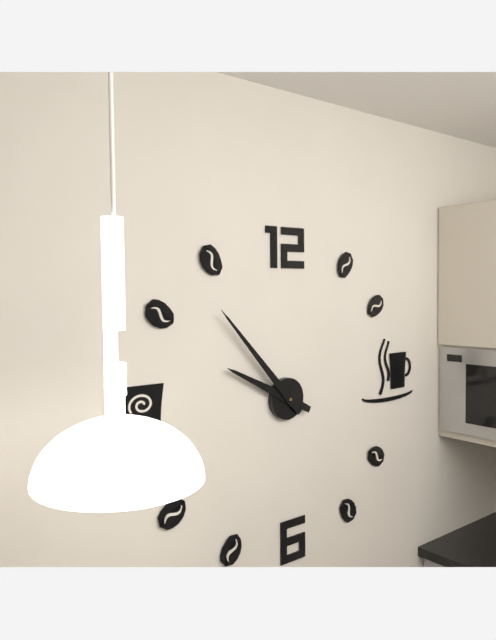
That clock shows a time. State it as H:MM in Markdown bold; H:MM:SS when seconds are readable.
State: **9:53**
